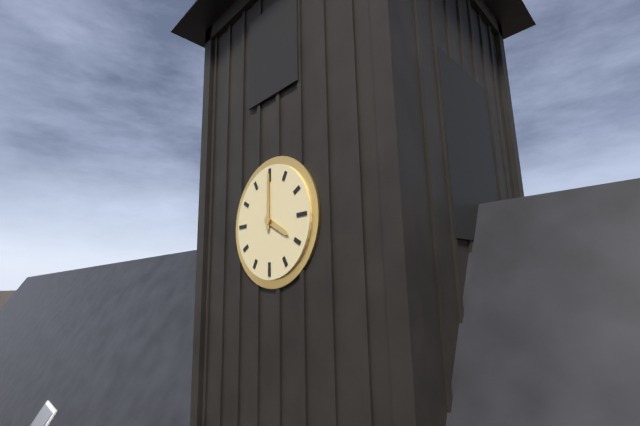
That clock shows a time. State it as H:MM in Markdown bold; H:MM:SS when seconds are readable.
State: **4:00**
